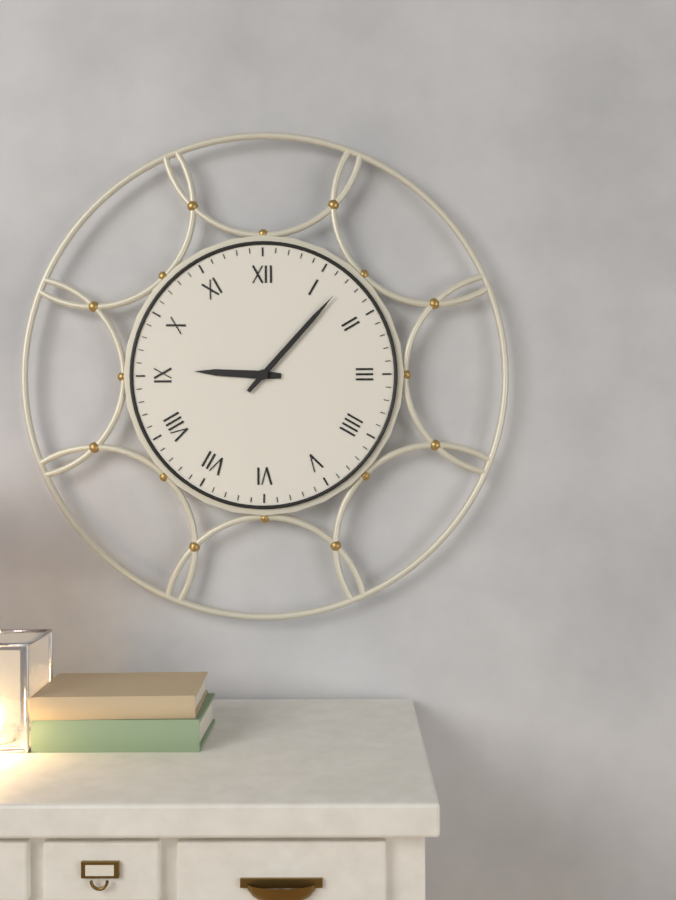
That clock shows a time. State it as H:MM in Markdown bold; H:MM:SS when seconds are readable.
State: **9:07**
